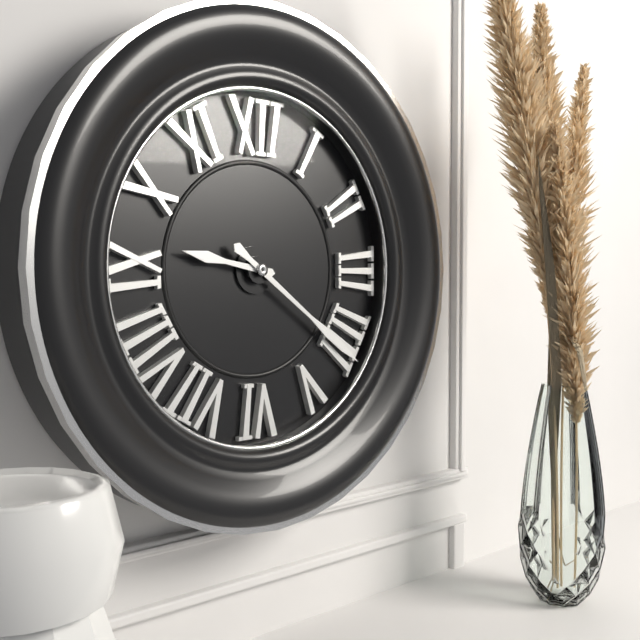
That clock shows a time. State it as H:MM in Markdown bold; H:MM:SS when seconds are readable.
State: **9:21**
